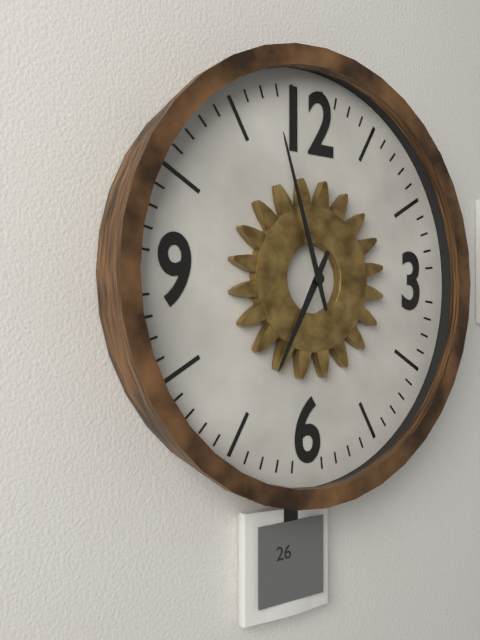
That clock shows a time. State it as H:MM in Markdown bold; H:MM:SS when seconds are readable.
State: **6:57**
